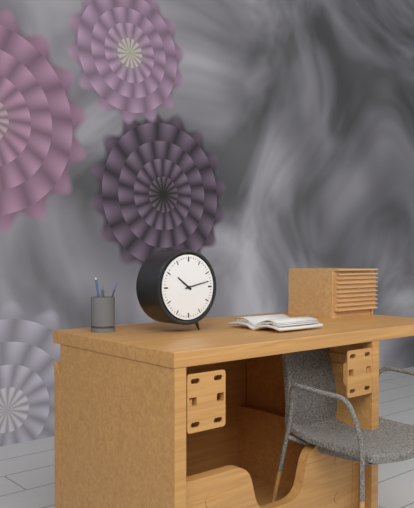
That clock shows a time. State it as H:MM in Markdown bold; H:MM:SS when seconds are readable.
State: **10:13**
